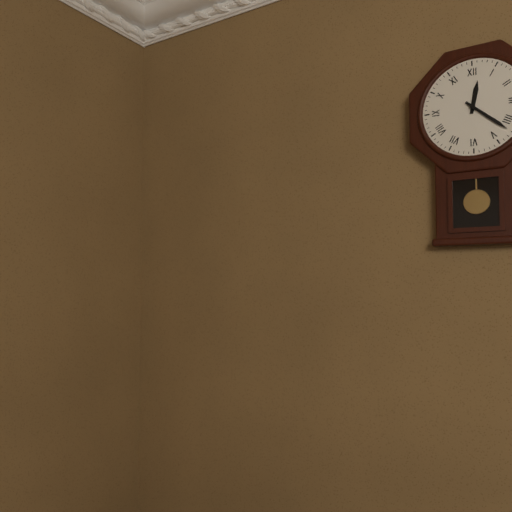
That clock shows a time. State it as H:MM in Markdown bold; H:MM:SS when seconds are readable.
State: **12:22**
